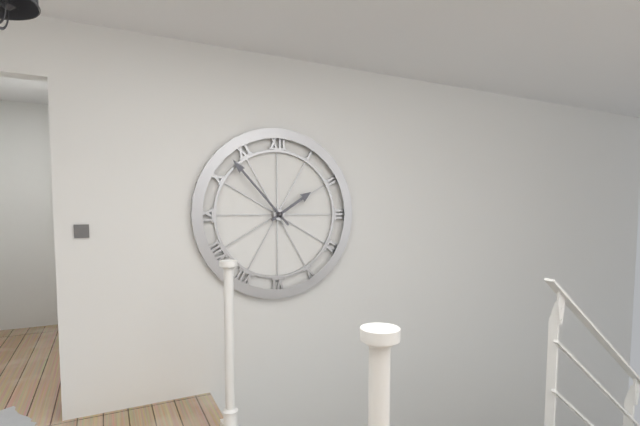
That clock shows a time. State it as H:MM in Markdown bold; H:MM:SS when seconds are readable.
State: **1:53**
